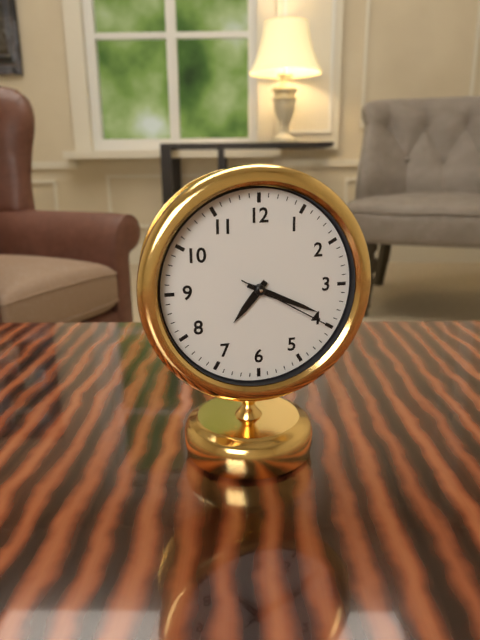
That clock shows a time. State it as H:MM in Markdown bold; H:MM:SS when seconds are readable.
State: **7:19:20**
